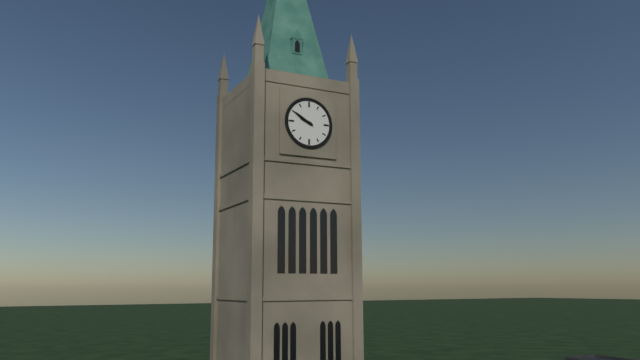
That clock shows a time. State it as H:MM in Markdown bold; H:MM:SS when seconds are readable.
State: **9:50**
